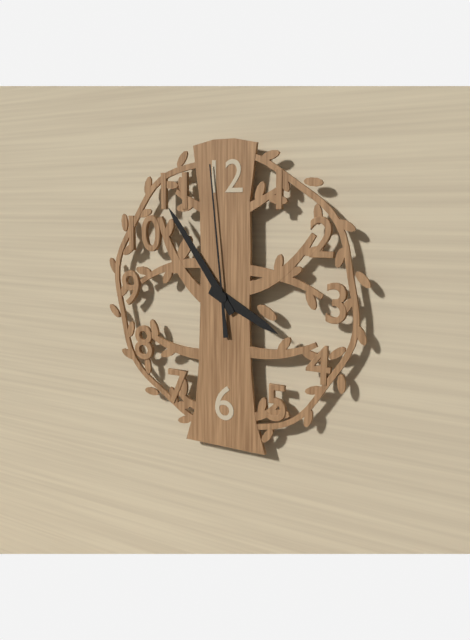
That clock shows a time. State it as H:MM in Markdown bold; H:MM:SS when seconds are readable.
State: **3:54:59**
